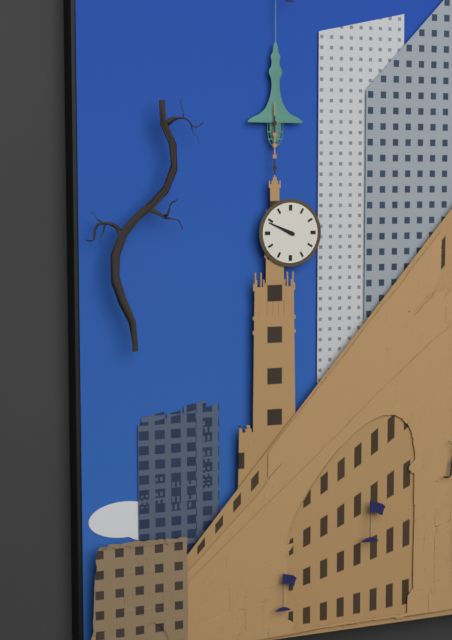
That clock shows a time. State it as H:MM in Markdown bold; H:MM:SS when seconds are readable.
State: **9:49**
